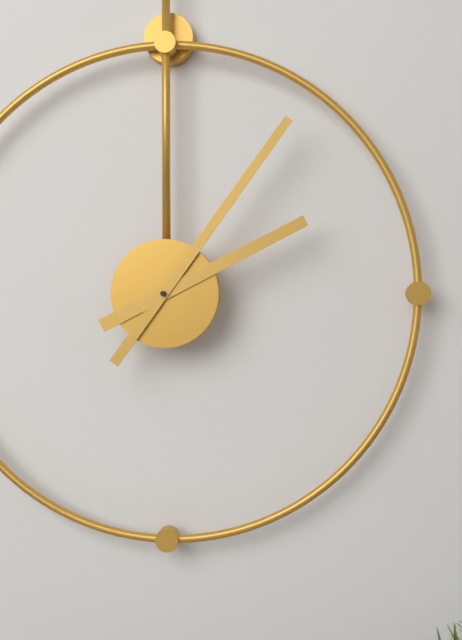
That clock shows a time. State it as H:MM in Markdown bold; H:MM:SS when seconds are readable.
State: **2:06**
